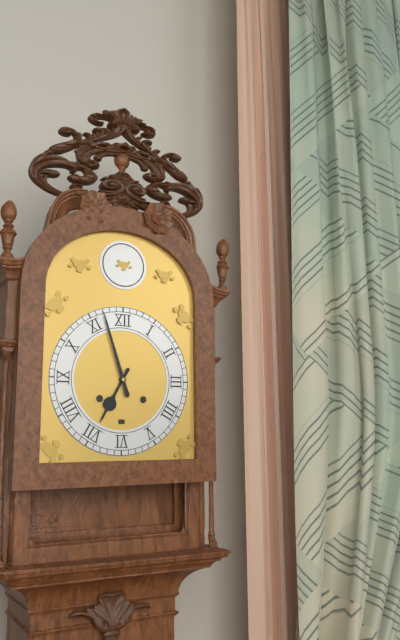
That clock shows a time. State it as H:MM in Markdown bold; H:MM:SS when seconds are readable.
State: **6:57**
